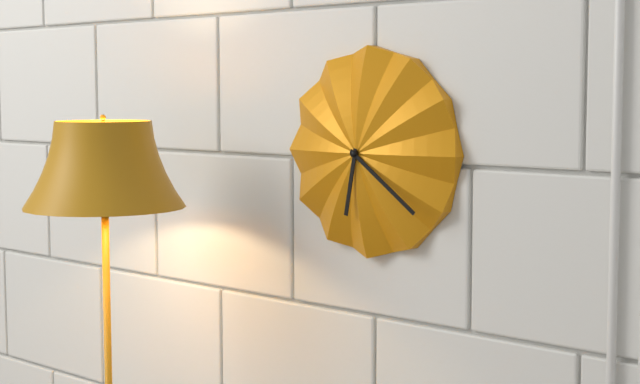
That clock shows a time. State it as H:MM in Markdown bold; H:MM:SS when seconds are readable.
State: **6:21**
